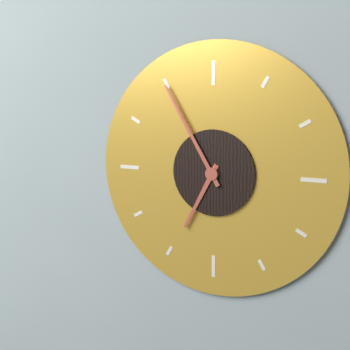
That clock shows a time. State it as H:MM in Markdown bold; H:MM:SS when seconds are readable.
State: **6:55**
